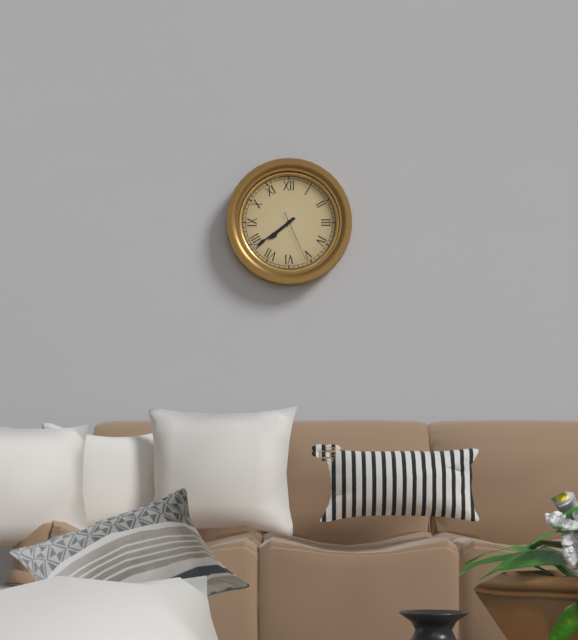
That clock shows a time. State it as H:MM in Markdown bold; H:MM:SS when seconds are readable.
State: **7:39:26**
